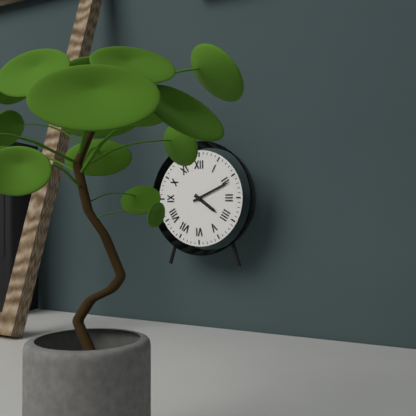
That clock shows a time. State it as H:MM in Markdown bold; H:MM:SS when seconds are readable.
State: **4:11**
